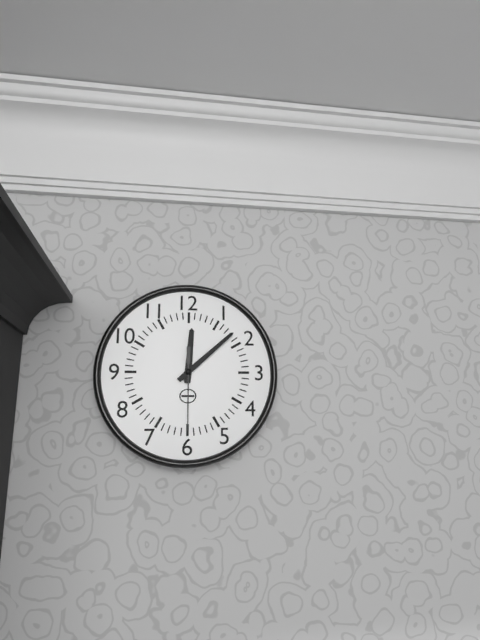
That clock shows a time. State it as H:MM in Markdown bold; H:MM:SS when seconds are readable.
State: **12:08:30**
